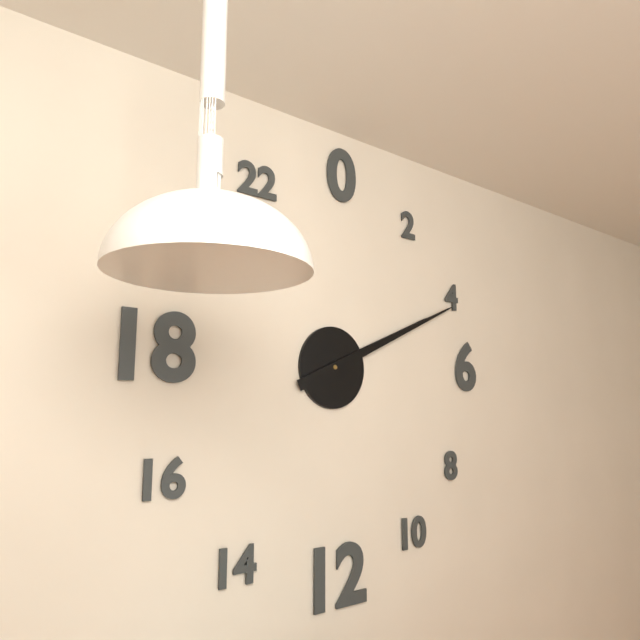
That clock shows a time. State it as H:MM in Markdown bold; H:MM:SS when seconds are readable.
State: **2:11**
